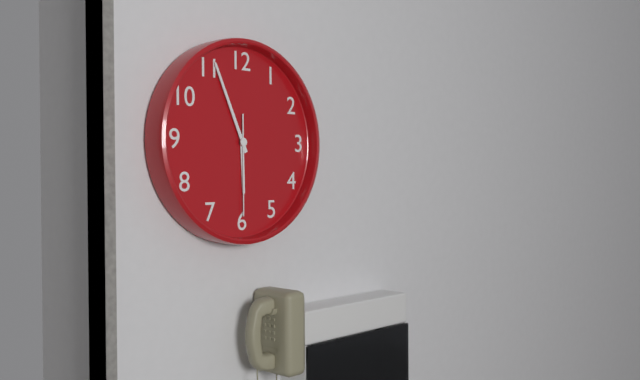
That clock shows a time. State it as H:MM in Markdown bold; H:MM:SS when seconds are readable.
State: **5:56:30**
